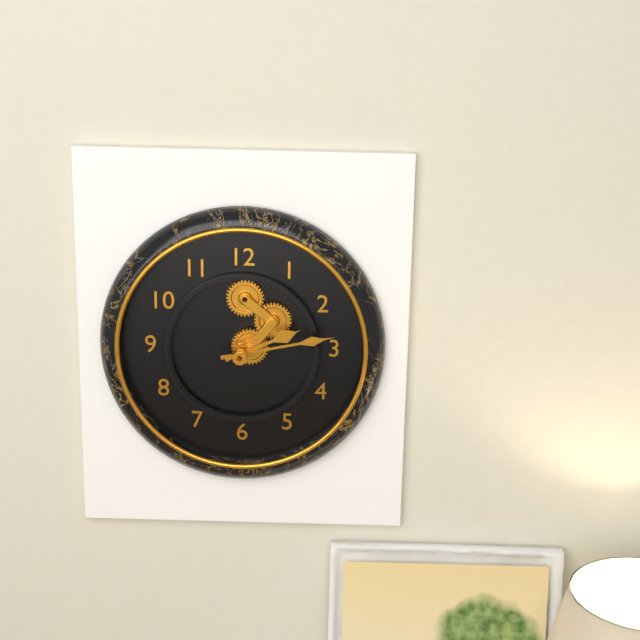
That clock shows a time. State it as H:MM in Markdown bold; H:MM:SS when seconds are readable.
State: **2:13**
